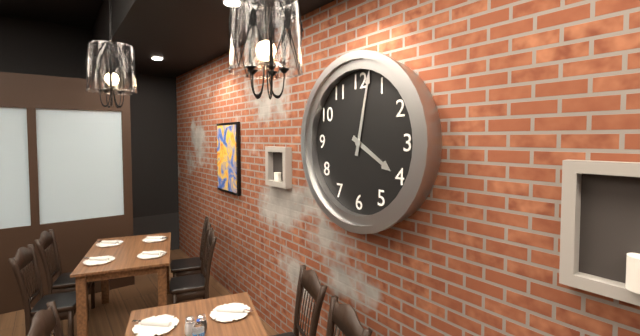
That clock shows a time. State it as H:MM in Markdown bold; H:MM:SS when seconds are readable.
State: **4:02**
